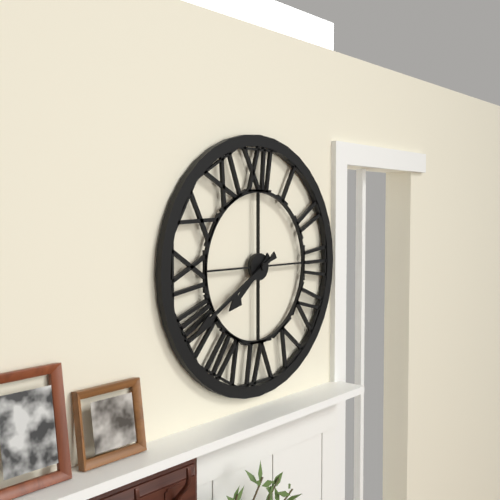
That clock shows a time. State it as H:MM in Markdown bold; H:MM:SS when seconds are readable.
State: **7:40**
